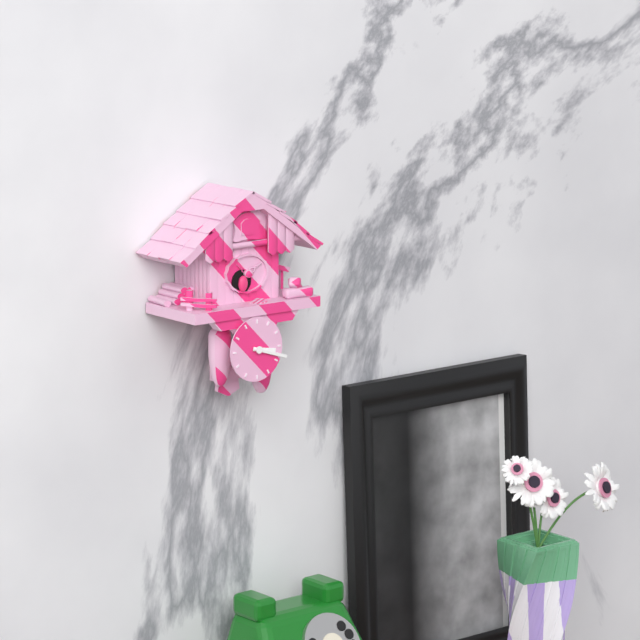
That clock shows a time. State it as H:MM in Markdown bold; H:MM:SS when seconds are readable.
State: **3:18**
